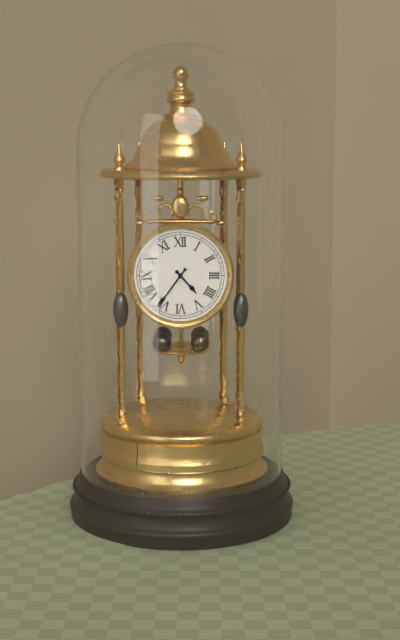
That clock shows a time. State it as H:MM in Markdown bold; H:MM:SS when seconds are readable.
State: **4:36**
